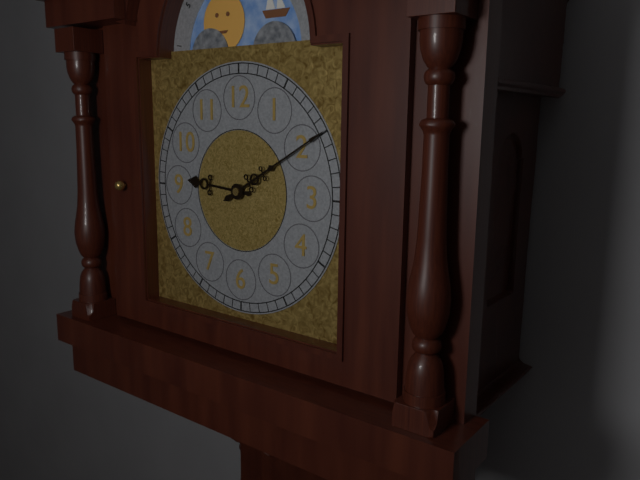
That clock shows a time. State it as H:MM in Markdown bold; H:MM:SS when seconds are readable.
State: **9:10**
